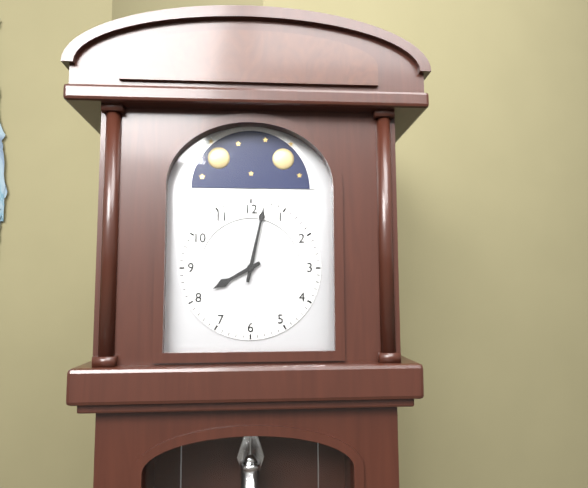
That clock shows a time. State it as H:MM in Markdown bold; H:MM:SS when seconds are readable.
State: **8:02**
